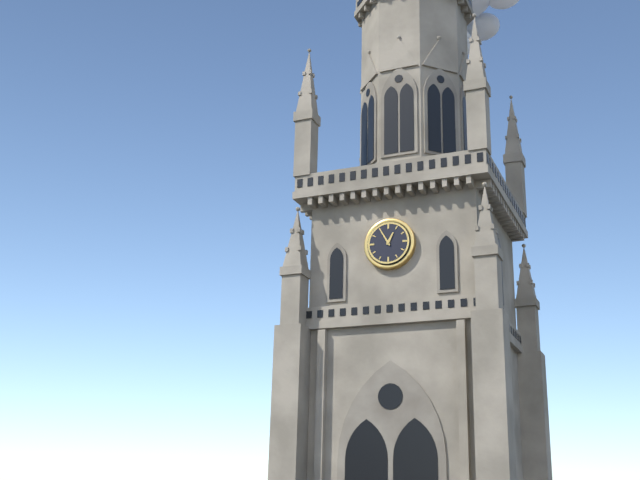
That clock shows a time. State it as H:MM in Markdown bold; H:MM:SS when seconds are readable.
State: **12:55**
